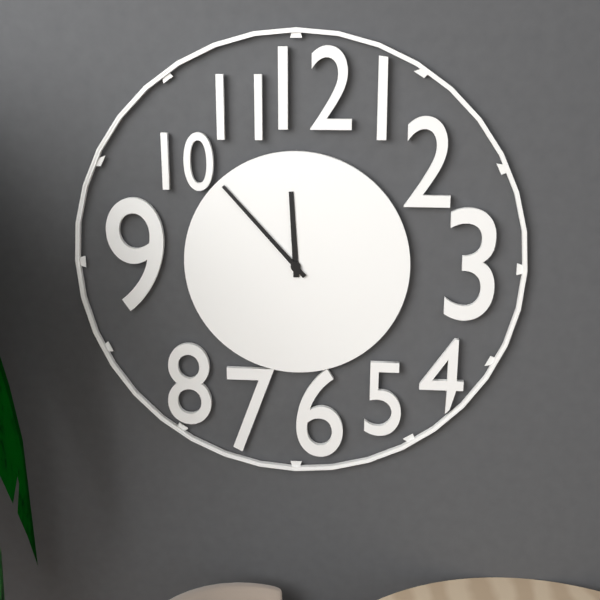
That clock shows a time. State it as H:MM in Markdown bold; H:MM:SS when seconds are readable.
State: **11:53**
